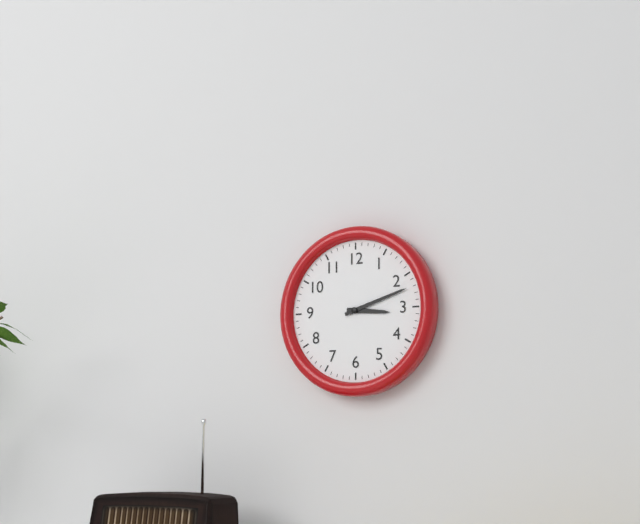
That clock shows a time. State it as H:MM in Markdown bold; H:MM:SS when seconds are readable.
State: **3:12**
